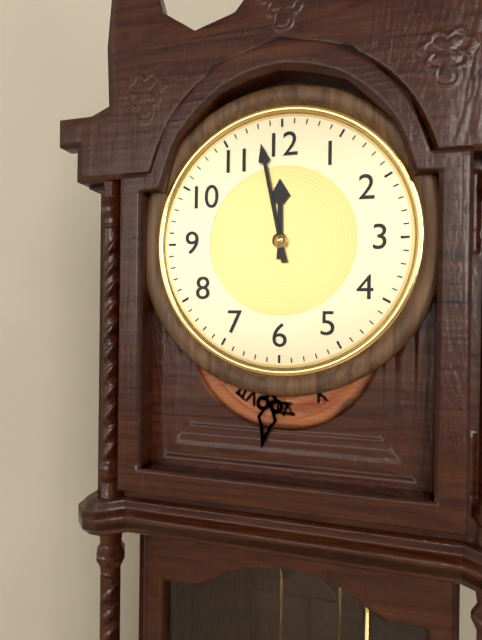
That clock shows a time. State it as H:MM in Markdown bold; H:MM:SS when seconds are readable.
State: **11:58**
